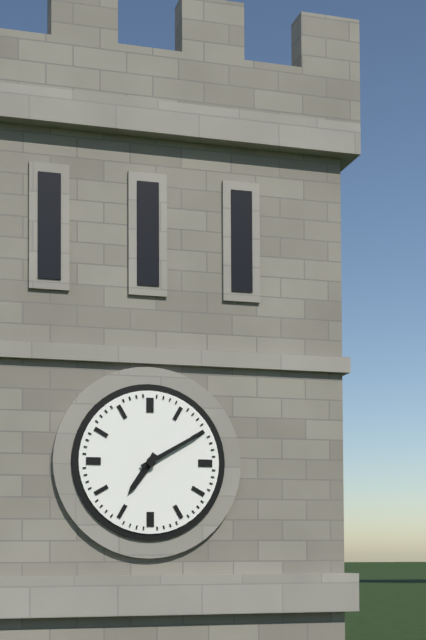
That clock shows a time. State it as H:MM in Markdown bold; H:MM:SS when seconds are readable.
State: **7:10**
